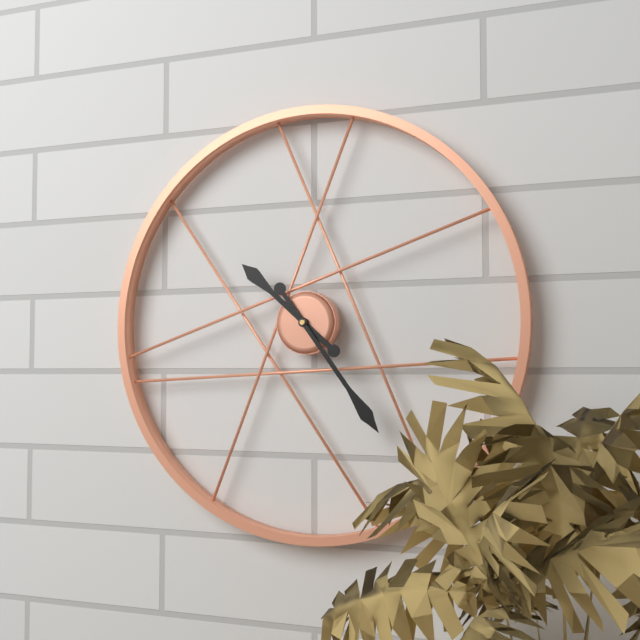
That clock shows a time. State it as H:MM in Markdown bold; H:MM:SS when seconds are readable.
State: **10:24**
